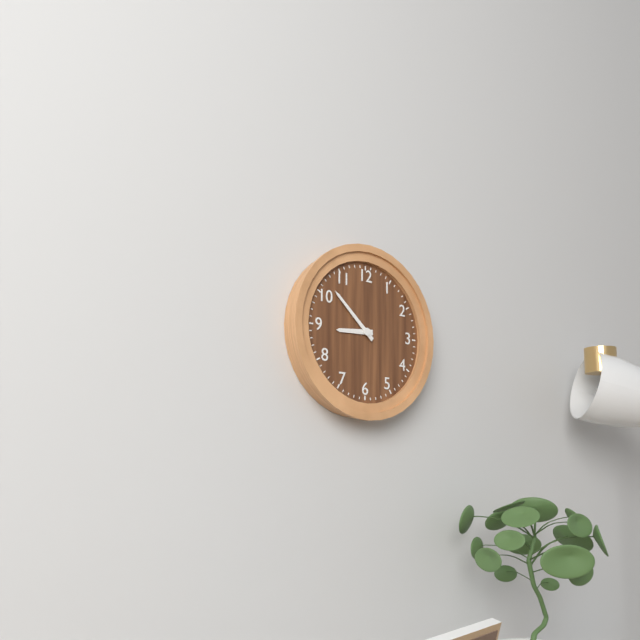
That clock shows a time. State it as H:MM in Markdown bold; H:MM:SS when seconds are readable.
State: **8:52**
